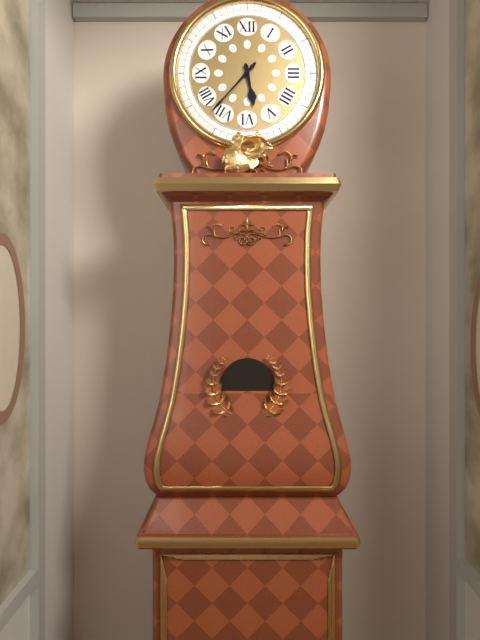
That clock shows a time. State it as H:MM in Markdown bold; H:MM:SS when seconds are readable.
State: **5:37**
